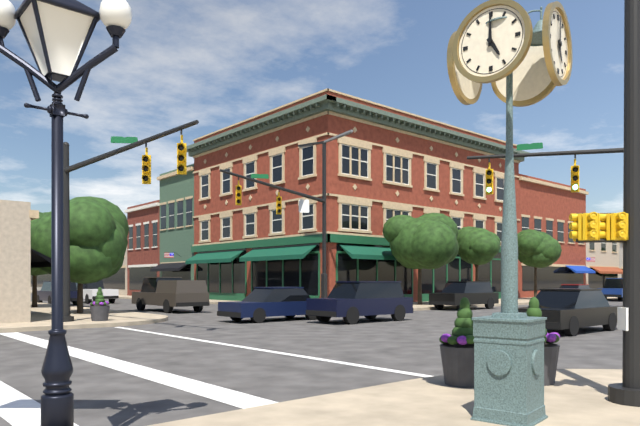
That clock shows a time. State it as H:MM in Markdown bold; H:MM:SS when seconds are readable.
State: **5:00**
